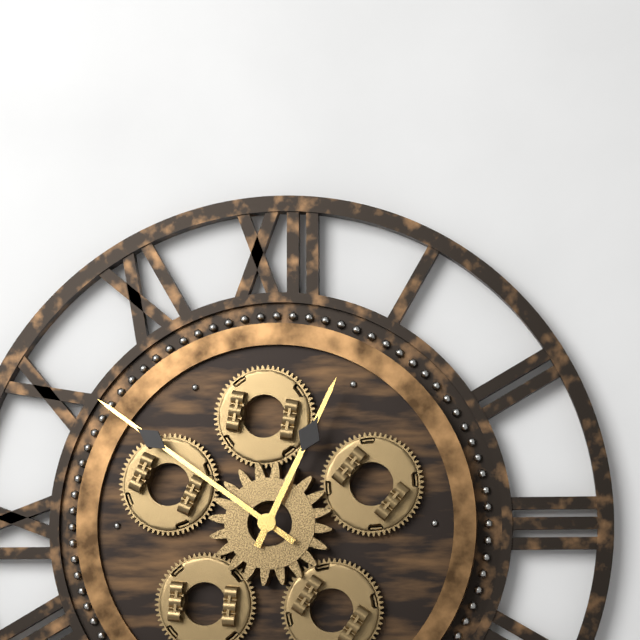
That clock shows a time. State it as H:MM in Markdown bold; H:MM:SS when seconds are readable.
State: **12:51**
